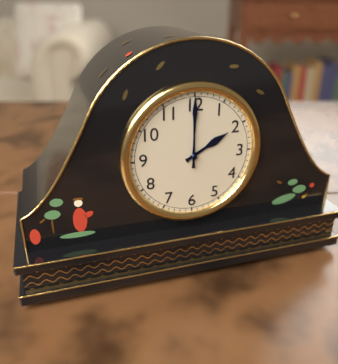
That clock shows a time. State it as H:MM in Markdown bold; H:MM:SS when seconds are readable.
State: **2:00**
